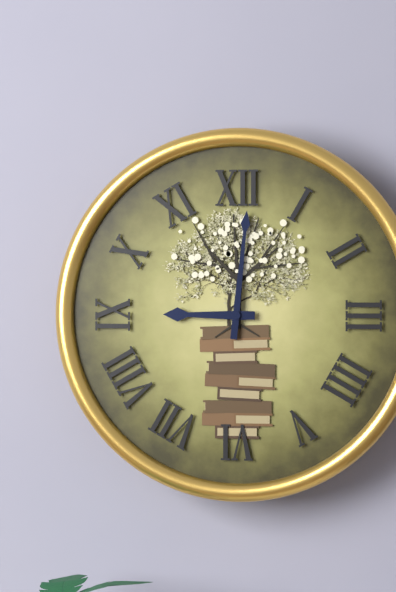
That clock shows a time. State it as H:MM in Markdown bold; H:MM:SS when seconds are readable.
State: **9:01**
